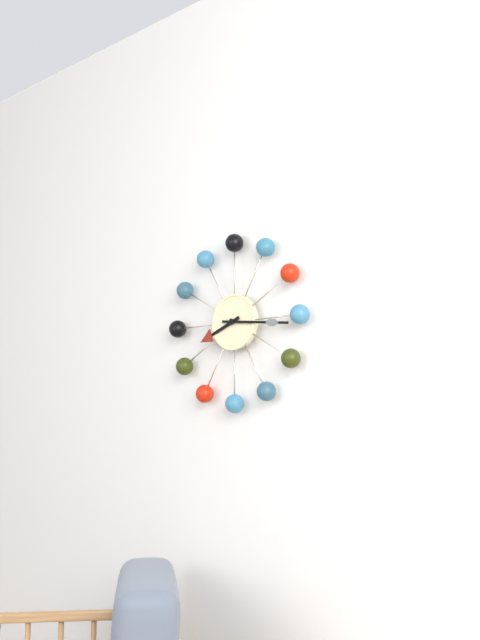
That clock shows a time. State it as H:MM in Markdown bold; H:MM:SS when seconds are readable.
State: **8:16**
